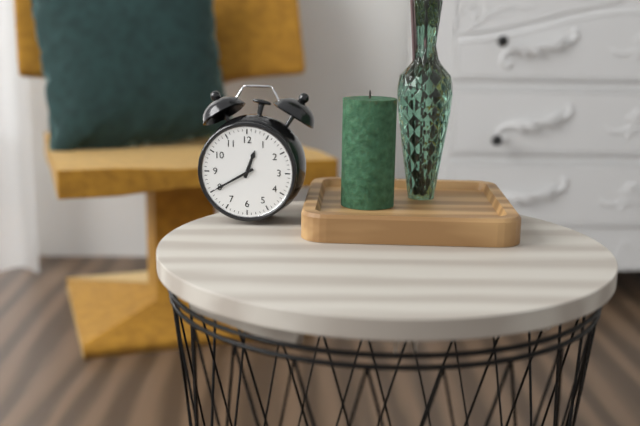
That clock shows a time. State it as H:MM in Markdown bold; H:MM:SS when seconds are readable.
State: **12:40**
